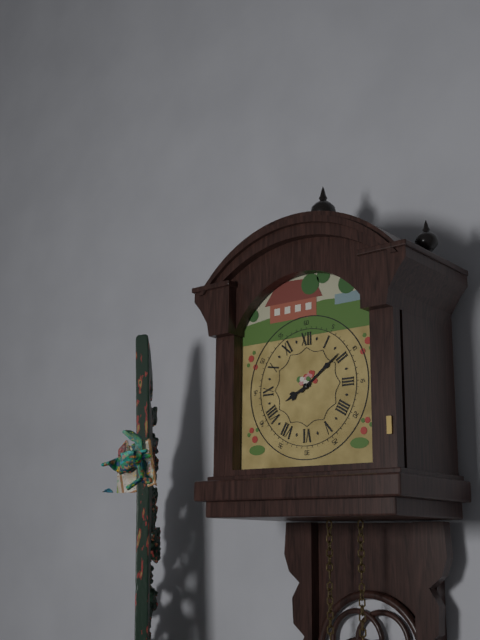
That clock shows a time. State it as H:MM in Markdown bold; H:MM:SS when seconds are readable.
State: **8:09**
